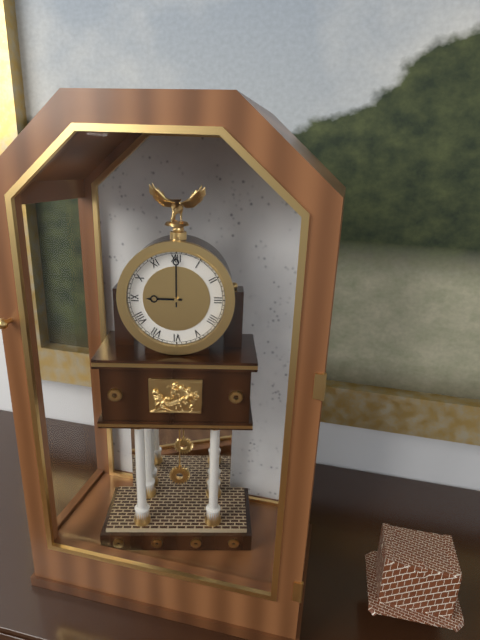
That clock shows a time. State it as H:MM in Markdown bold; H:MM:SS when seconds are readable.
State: **9:00**
